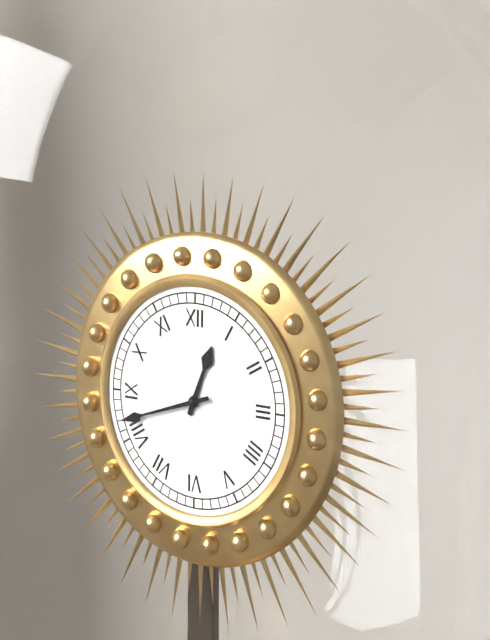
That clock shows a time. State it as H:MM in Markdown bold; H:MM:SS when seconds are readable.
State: **12:42**
